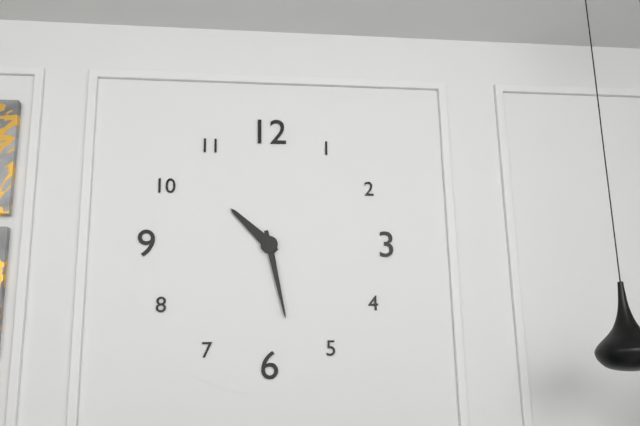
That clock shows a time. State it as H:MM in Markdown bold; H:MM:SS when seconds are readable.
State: **10:28**
